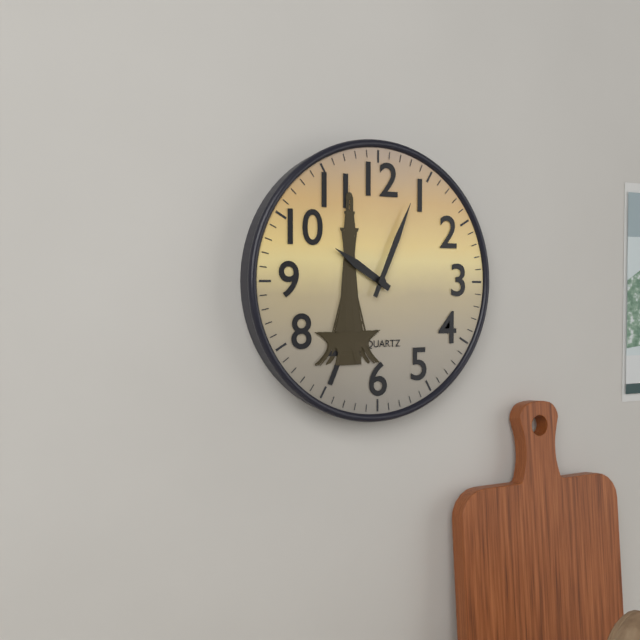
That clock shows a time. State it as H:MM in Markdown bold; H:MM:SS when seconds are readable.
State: **10:04**
